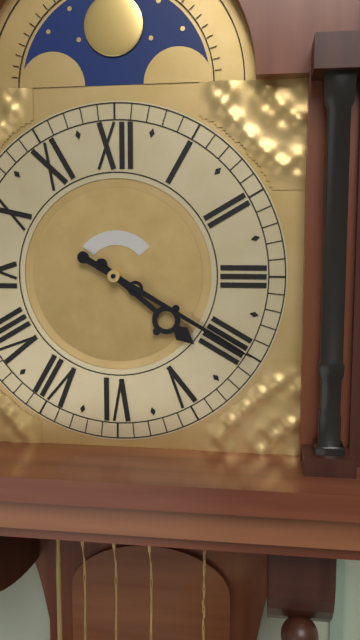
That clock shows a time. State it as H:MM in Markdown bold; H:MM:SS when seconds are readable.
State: **4:20**
